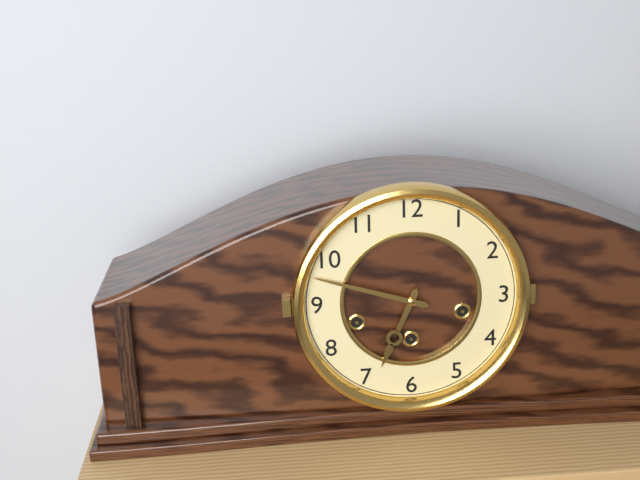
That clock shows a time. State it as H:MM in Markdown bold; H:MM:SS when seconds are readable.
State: **6:48**
